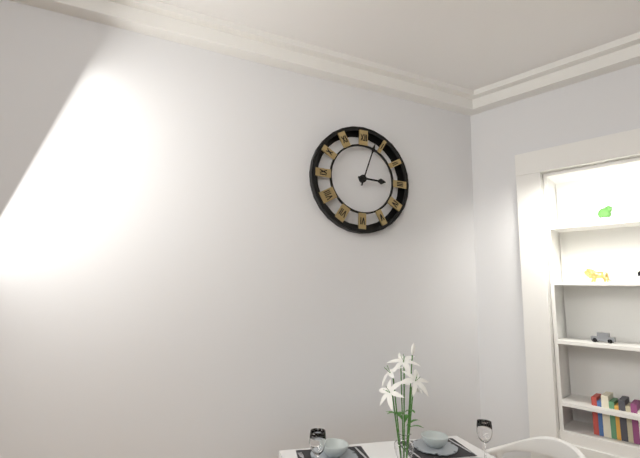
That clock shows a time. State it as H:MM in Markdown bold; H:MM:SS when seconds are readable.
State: **3:03**
